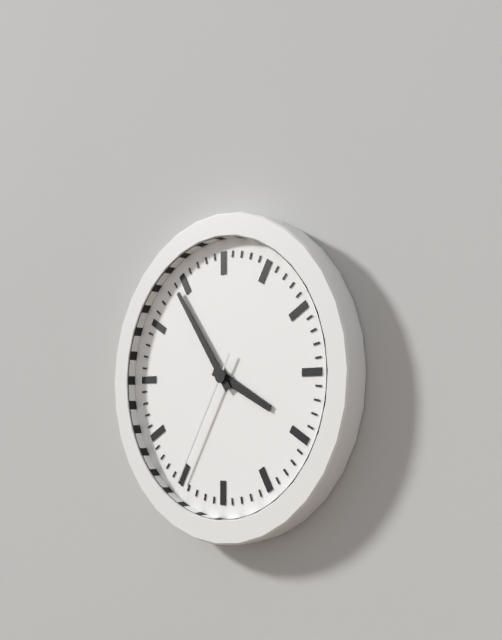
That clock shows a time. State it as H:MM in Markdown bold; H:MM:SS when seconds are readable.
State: **3:54:35**
